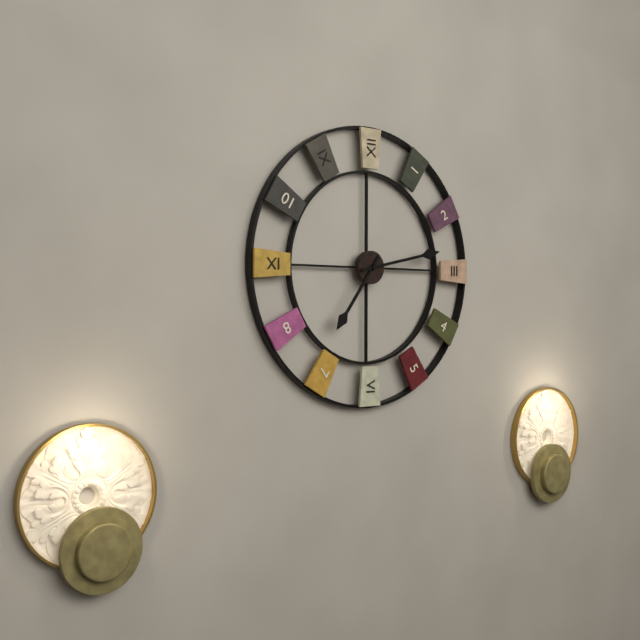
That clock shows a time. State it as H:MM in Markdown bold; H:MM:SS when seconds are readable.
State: **7:13**
